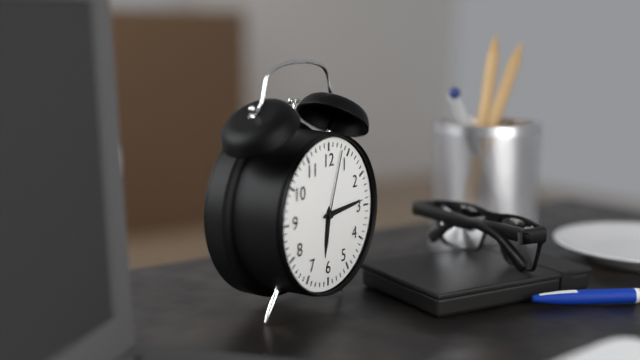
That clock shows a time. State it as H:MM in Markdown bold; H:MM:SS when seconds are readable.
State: **6:14:03**
